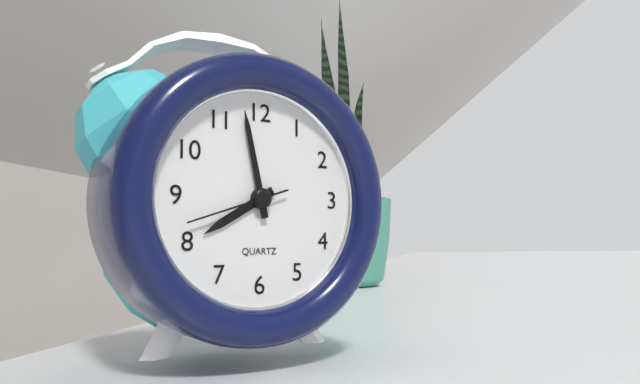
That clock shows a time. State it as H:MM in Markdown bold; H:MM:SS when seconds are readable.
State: **7:58:42**
